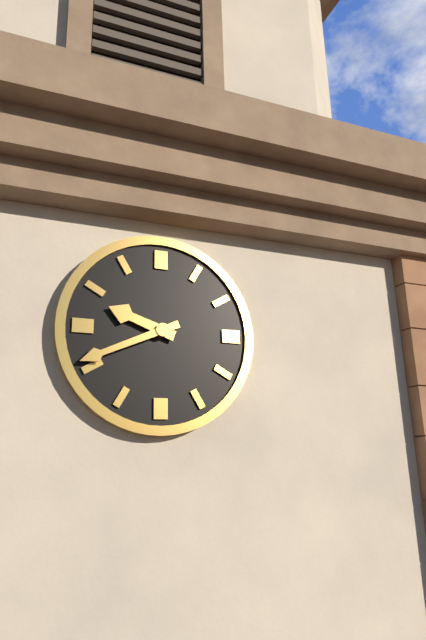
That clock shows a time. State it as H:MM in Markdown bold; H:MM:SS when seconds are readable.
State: **9:41**
